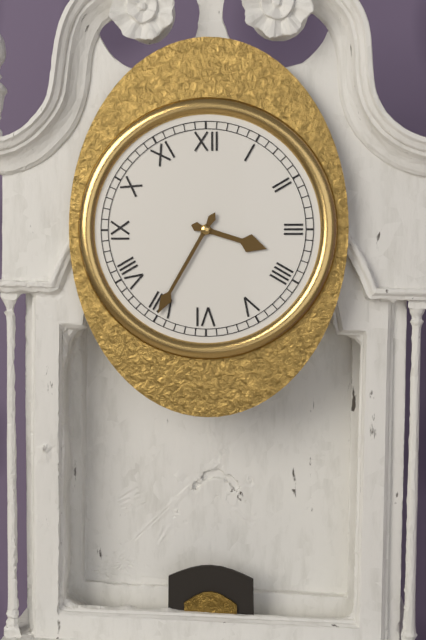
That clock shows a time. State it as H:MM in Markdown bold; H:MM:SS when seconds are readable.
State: **3:35**
